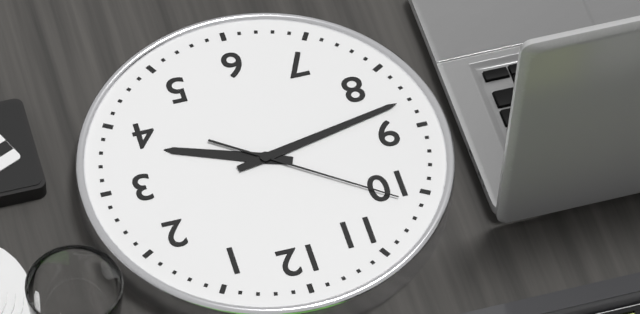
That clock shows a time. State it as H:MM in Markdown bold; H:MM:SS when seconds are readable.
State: **3:43:51**
